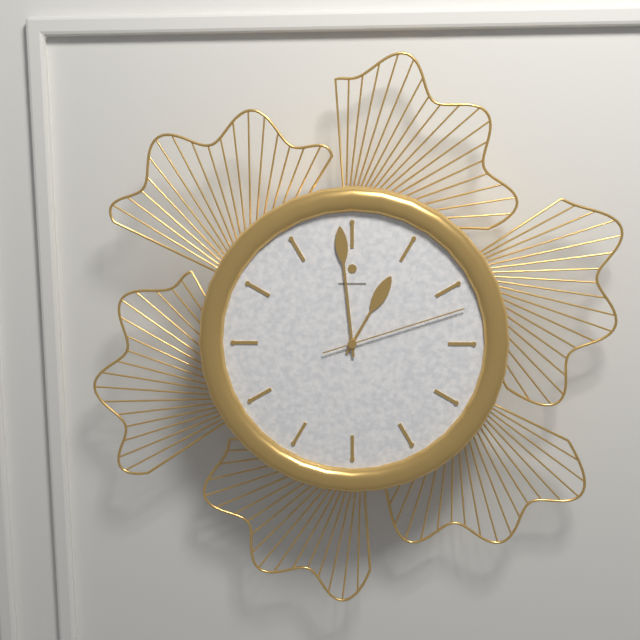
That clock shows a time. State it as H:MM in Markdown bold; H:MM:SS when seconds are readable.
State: **12:59:12**
